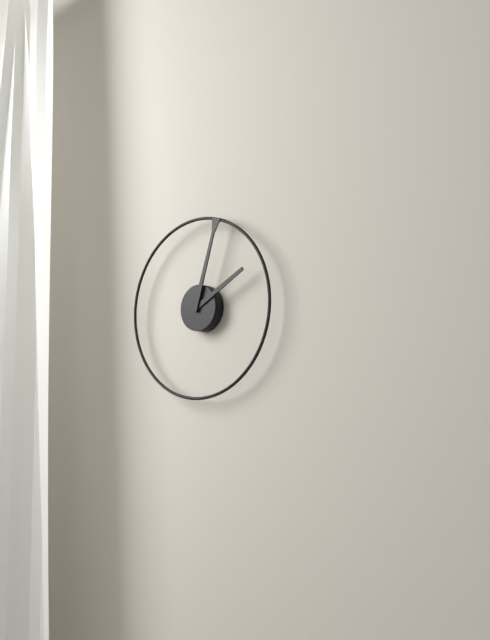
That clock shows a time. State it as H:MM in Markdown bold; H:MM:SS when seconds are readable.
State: **2:03**
